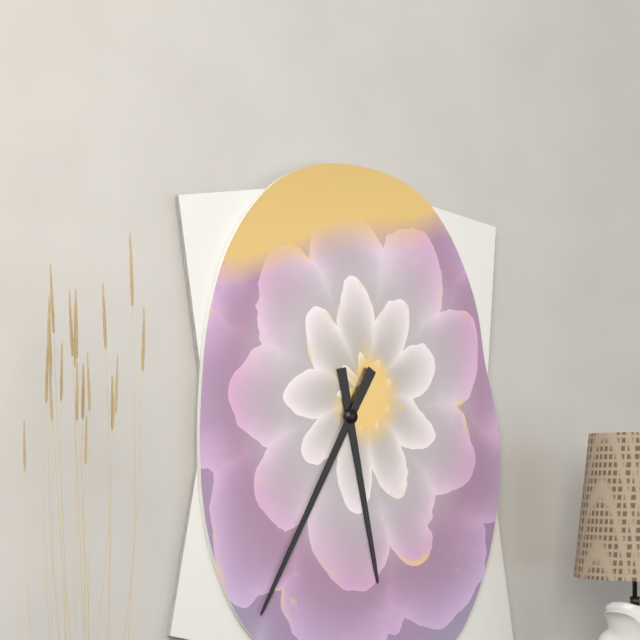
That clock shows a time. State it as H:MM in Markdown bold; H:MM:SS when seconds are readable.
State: **5:35**
